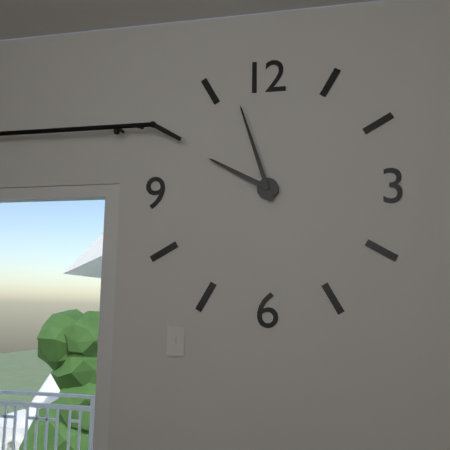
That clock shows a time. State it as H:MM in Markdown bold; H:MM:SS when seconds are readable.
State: **9:57**
